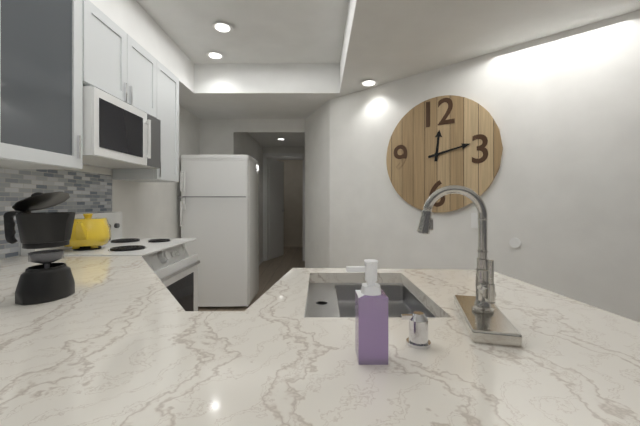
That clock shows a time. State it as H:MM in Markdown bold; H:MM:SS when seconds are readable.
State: **12:13**
